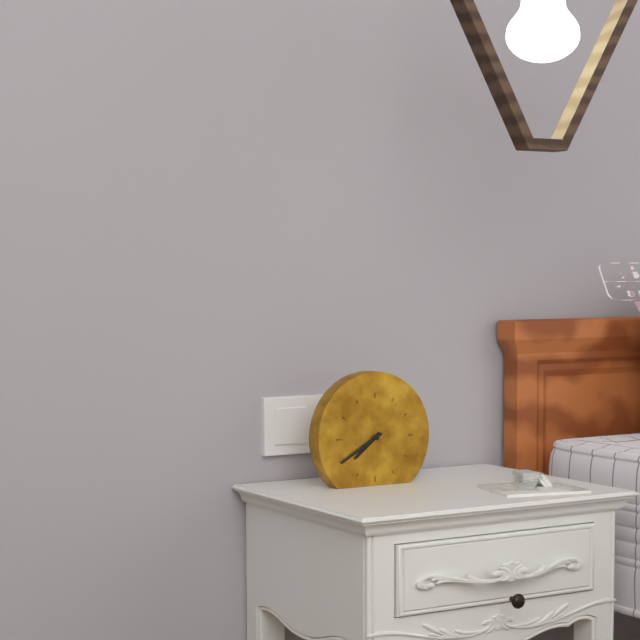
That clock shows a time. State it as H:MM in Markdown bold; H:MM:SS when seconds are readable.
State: **7:40**
